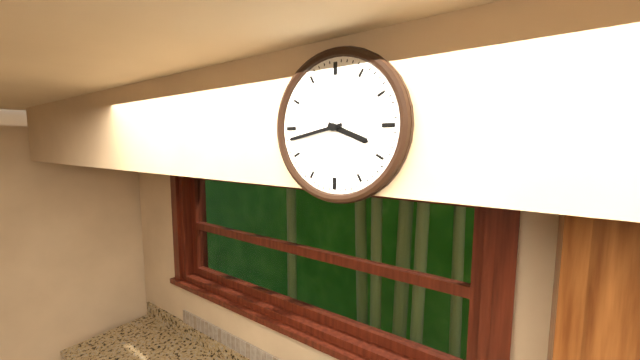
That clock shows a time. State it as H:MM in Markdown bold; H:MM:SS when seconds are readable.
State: **3:43**
